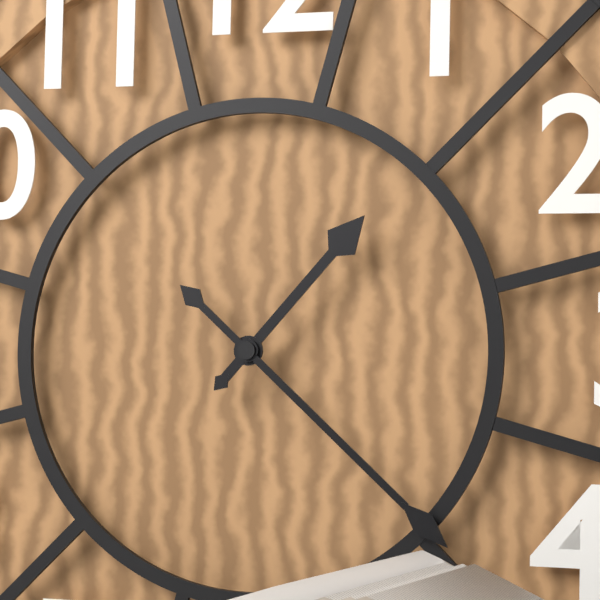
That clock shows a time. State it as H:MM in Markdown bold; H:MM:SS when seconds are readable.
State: **1:22**
